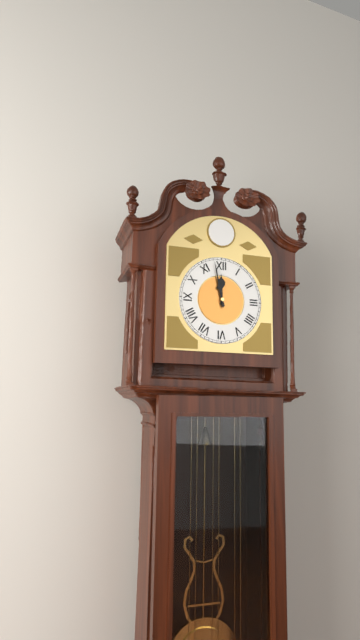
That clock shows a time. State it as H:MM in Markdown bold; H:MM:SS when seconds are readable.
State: **11:58**
